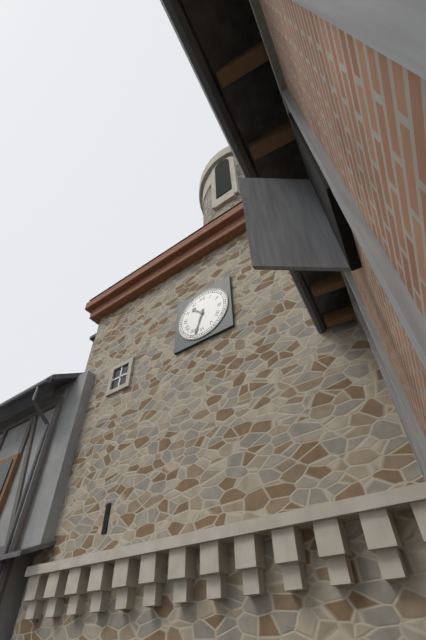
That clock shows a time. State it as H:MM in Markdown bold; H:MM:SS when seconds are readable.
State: **10:33**
